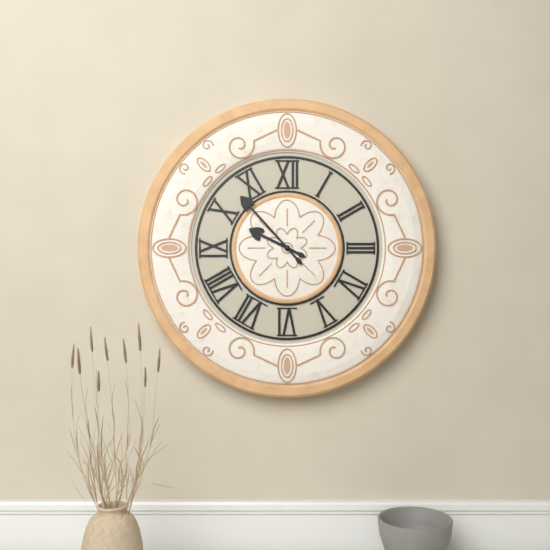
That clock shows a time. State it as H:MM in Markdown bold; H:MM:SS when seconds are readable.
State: **9:53**
